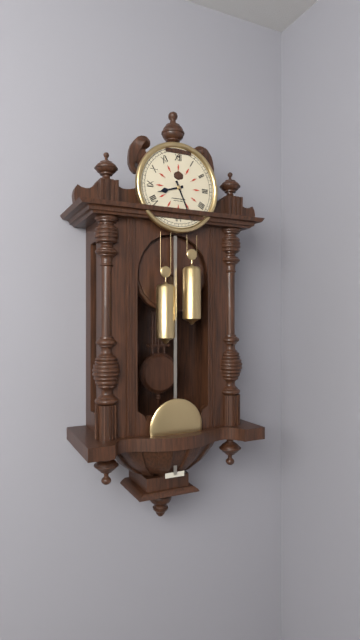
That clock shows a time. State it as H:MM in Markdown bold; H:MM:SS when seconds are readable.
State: **8:26**
